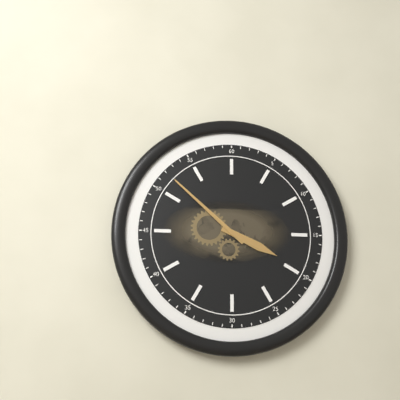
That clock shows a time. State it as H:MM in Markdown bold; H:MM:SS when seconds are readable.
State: **3:52**
